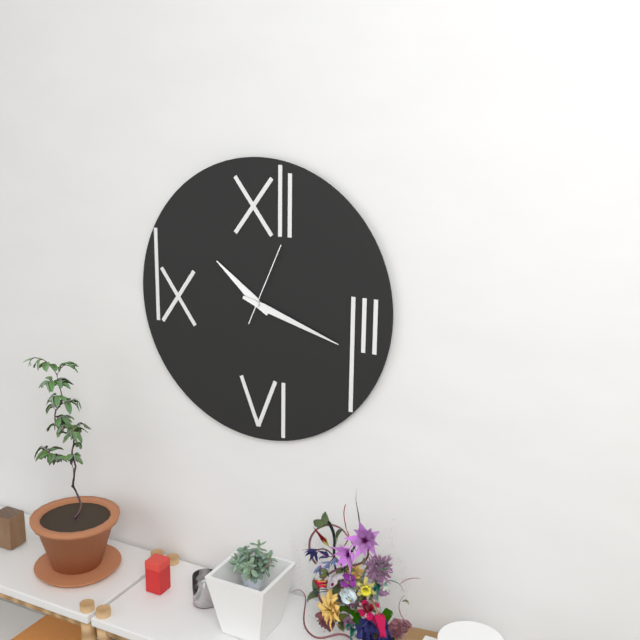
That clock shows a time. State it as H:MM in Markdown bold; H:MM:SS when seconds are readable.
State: **10:18:04**
